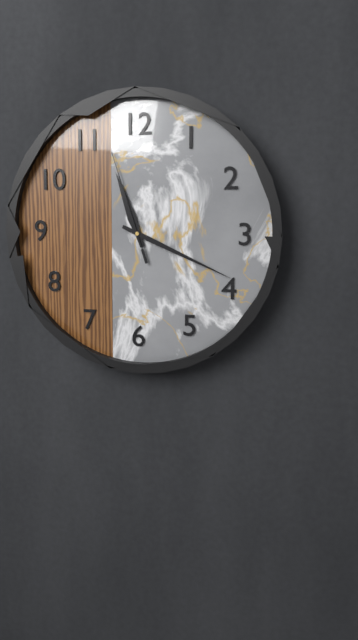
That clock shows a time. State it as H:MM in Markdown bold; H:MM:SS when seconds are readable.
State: **11:19:57**
